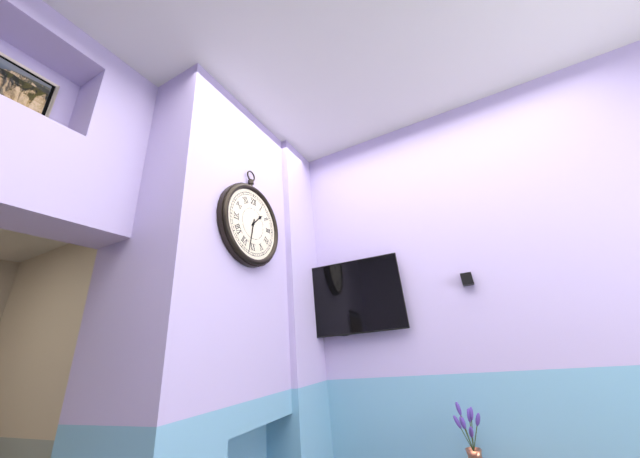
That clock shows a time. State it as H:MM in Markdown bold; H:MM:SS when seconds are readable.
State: **1:32**
